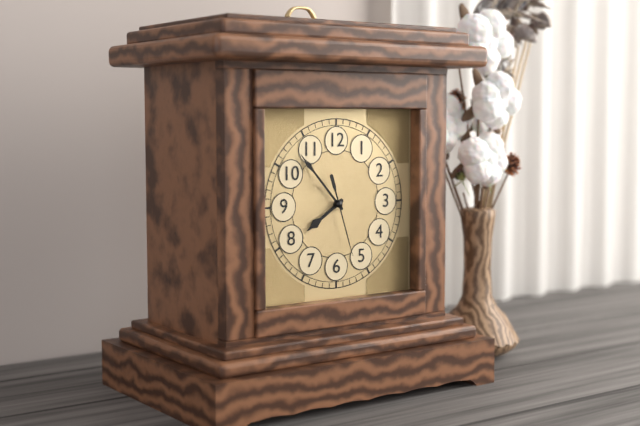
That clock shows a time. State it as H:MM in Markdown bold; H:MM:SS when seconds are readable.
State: **7:53:27**
